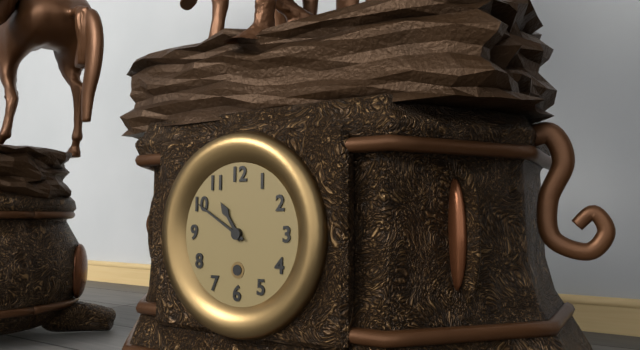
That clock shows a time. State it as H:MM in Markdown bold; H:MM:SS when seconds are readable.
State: **10:50**
